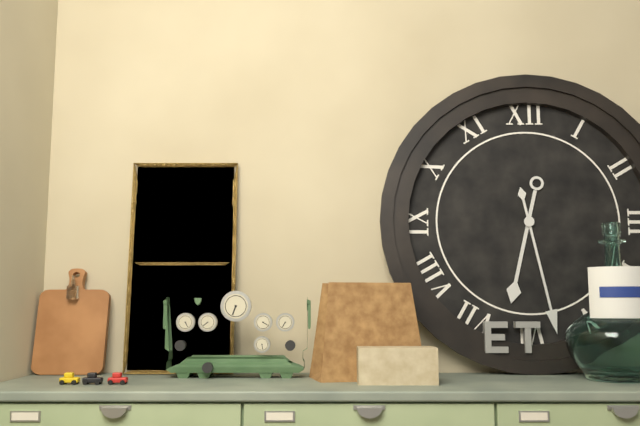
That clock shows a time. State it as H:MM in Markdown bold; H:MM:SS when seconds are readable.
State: **6:28**
